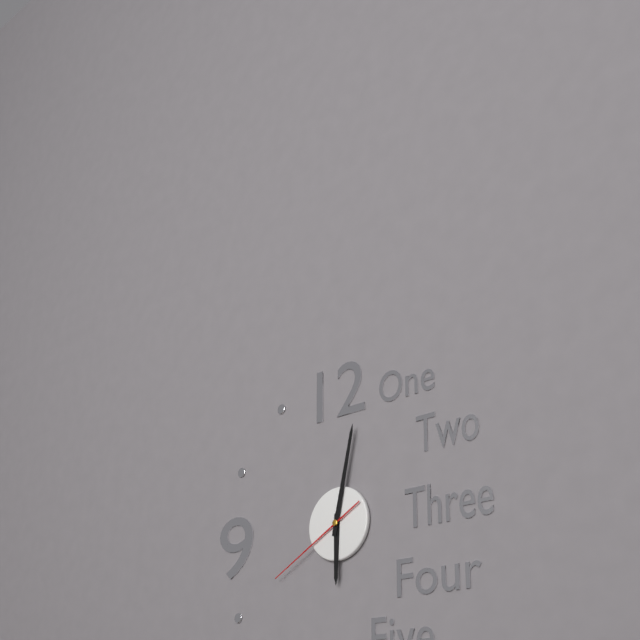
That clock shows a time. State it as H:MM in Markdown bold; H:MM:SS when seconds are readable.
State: **6:02:40**
